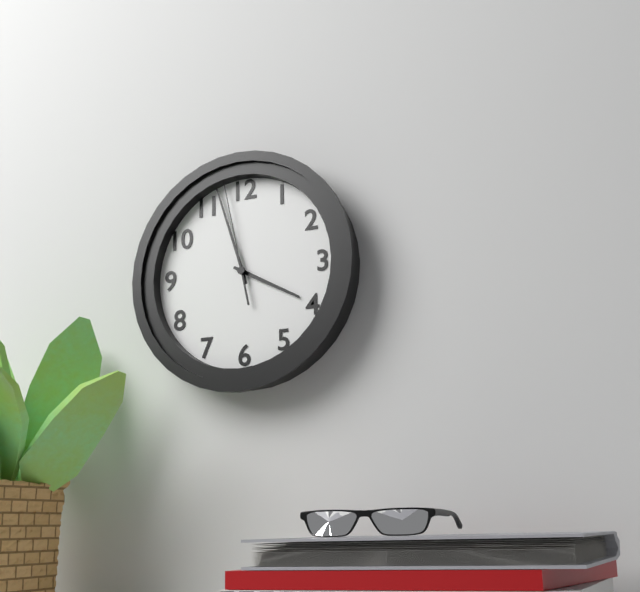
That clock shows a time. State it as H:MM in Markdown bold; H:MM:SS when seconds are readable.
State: **3:57:58**
